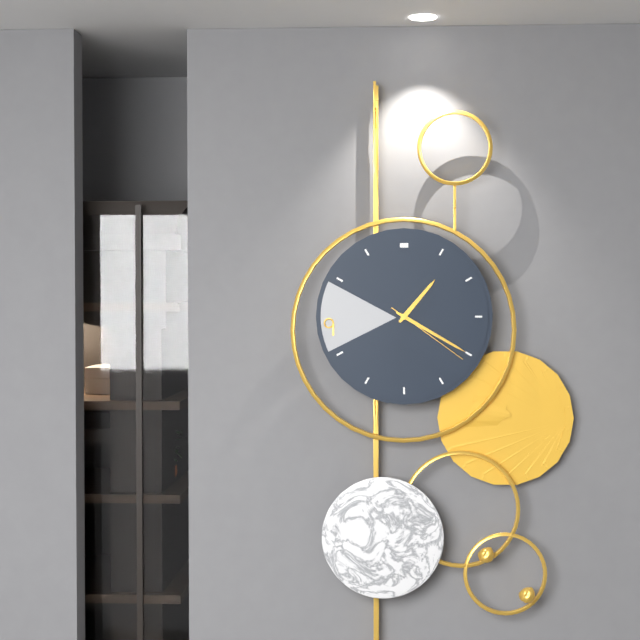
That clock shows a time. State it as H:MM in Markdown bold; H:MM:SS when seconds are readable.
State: **1:20:21**
